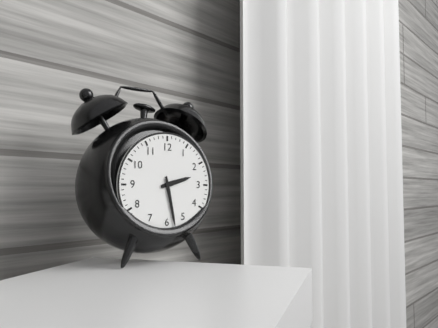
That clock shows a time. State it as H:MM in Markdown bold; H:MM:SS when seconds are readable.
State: **2:28**
